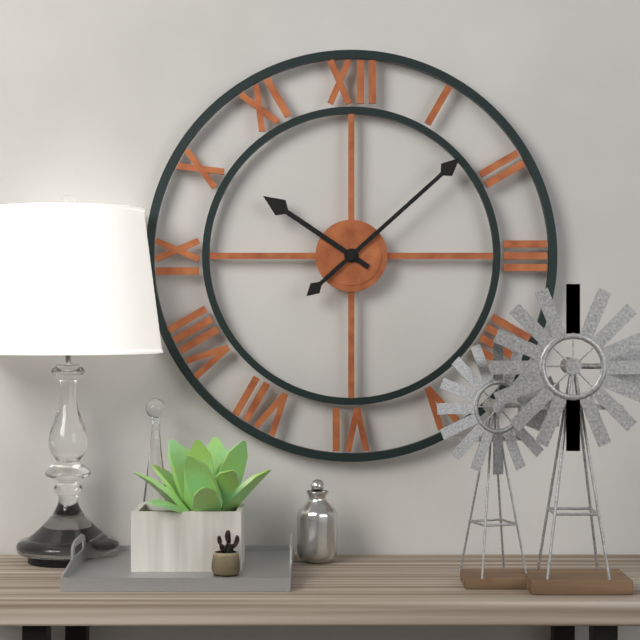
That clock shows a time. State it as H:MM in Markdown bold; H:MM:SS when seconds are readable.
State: **10:08**
